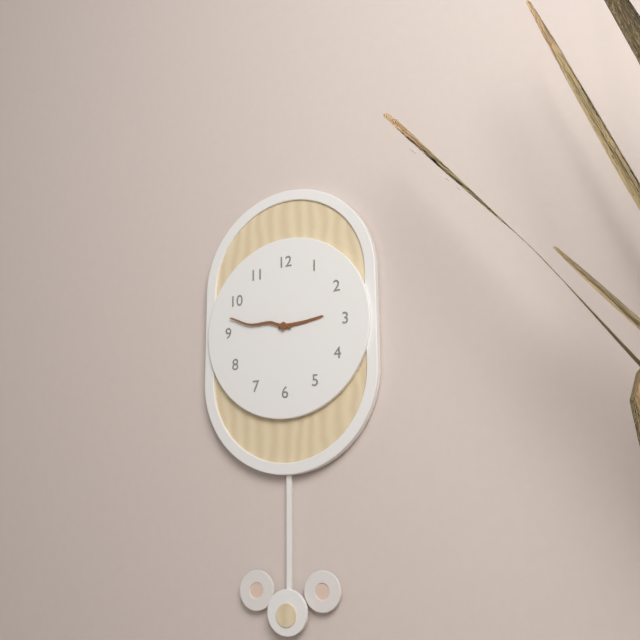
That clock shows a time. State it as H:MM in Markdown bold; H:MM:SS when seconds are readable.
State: **2:47**
